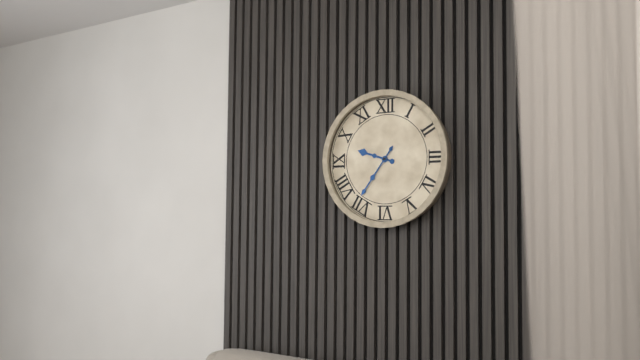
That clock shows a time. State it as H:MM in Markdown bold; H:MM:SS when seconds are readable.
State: **9:36**
